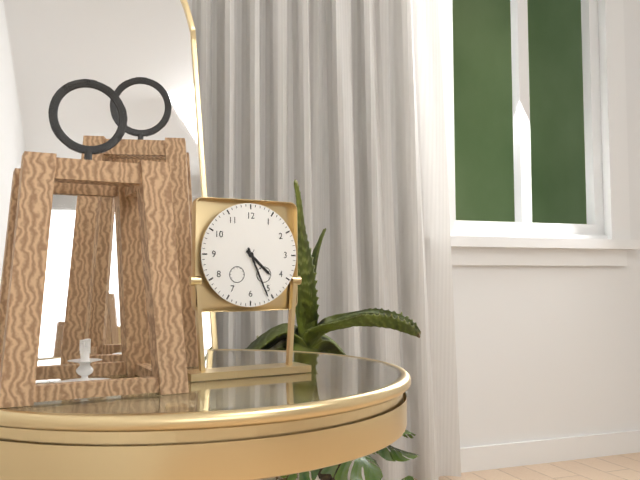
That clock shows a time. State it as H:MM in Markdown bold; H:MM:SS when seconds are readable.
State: **4:26**
